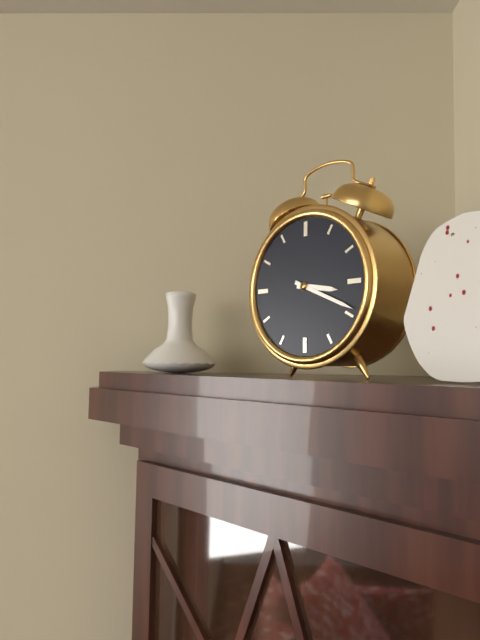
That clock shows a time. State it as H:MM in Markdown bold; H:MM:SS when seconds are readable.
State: **3:19**
